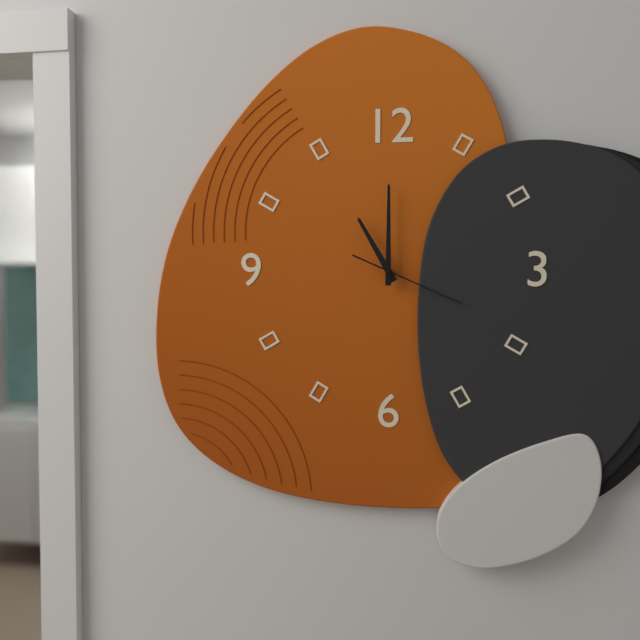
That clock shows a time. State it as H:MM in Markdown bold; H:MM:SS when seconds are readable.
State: **11:00:19**
